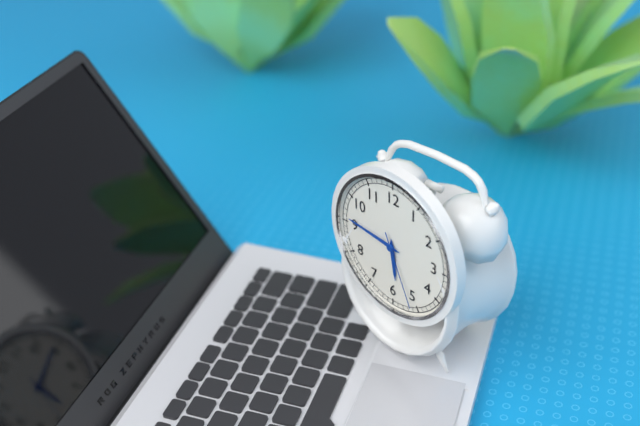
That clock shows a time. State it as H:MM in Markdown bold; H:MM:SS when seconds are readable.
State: **5:46:26**
